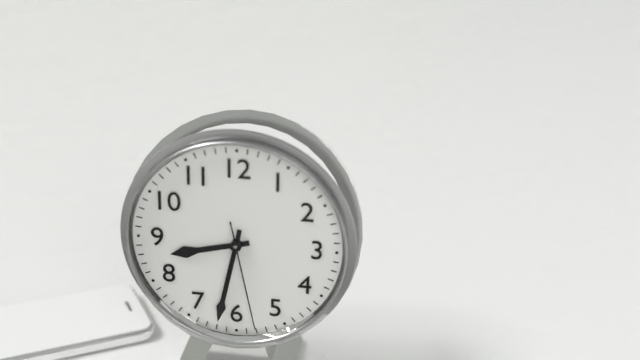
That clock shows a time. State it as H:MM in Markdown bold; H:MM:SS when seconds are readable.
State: **8:32:28**
